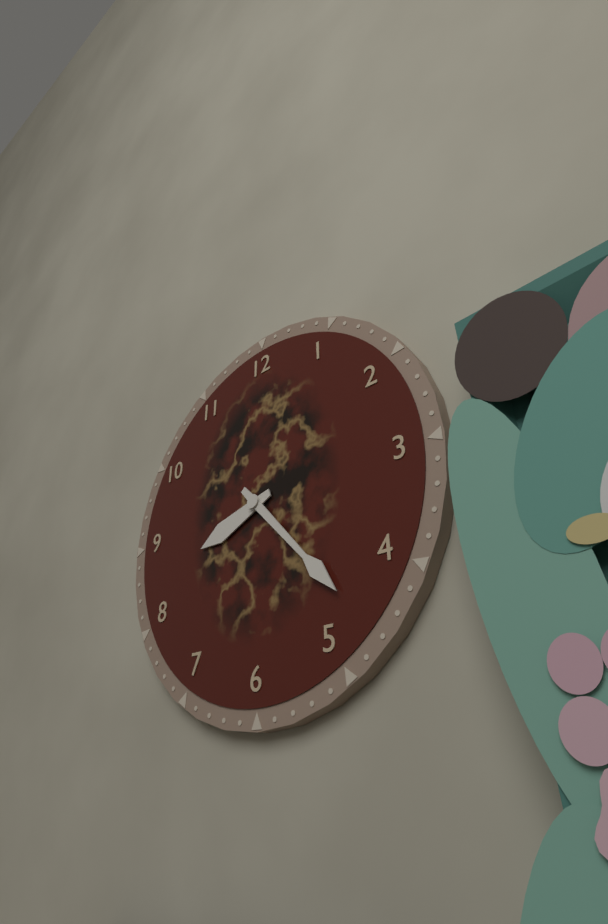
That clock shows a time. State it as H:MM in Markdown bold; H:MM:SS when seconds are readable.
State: **8:23**
